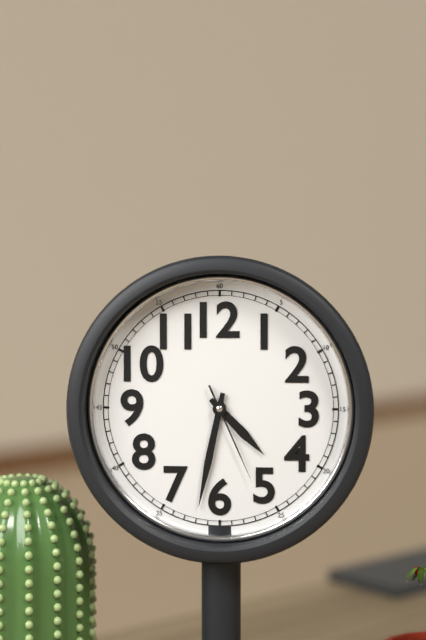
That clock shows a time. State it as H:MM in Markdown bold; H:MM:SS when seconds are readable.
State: **4:32:26**
